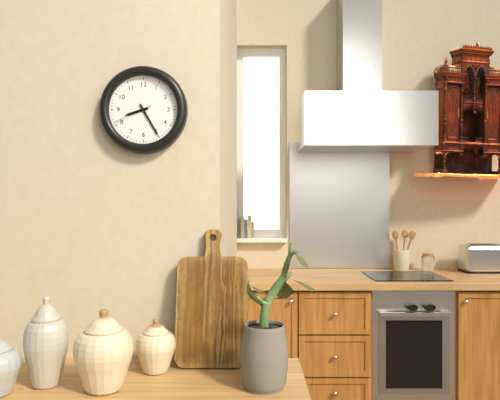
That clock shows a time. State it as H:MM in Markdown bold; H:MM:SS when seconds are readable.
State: **8:25**
